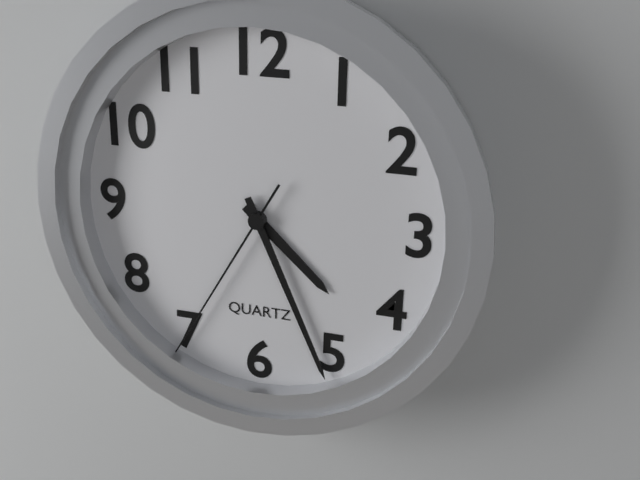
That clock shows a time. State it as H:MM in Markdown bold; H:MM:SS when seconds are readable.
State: **4:26:35**
